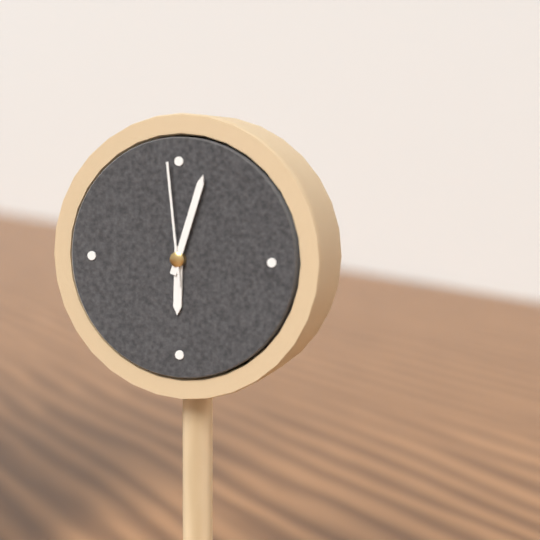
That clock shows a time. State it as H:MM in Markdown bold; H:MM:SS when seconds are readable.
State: **6:03:59**
